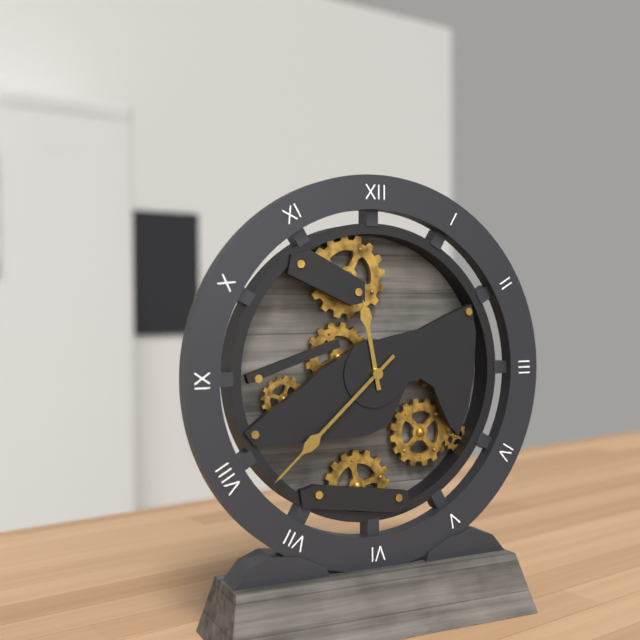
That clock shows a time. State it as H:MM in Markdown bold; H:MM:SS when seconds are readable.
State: **11:38**
